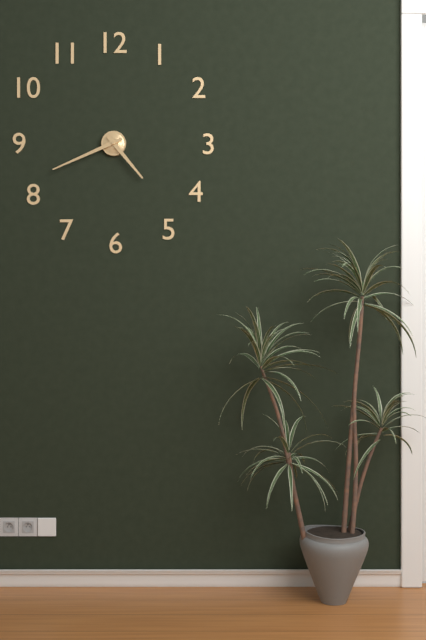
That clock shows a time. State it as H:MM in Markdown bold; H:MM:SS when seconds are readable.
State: **4:41**
